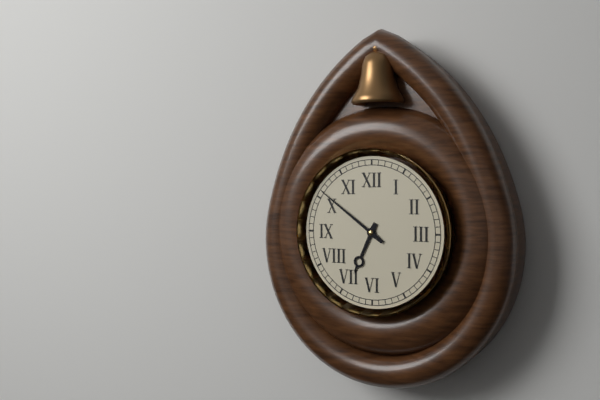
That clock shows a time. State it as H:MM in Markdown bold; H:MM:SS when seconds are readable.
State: **6:51**
